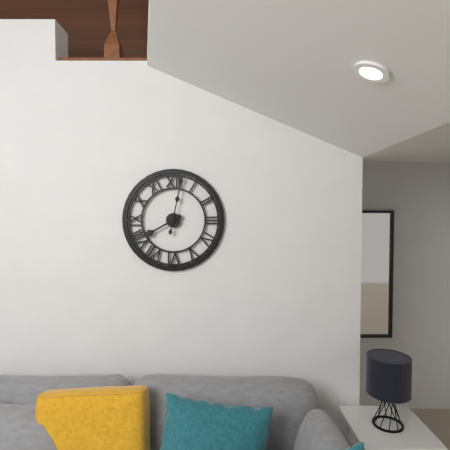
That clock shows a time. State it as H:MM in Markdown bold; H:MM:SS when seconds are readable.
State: **8:02**
